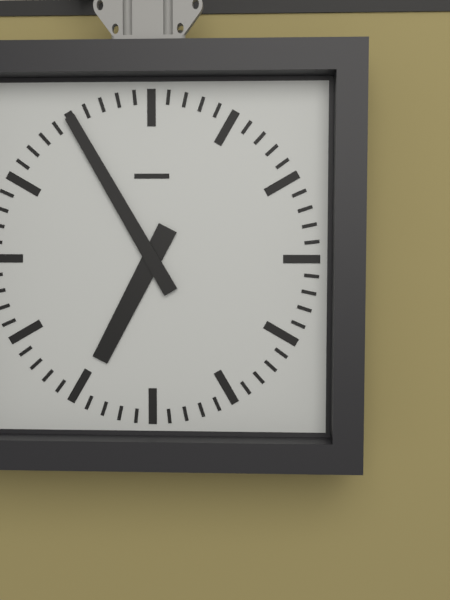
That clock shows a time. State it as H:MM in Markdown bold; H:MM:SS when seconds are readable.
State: **6:55**
